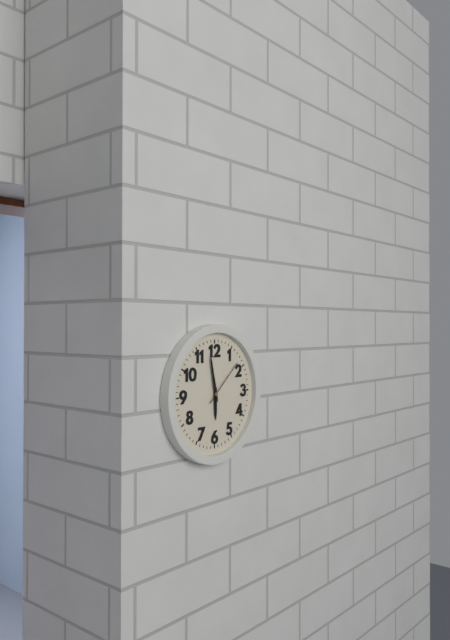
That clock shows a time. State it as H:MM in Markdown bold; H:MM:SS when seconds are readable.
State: **5:58**
